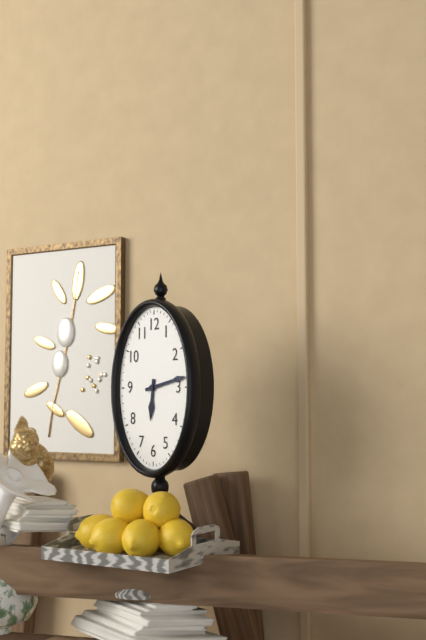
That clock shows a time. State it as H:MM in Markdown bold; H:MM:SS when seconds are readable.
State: **6:13**
